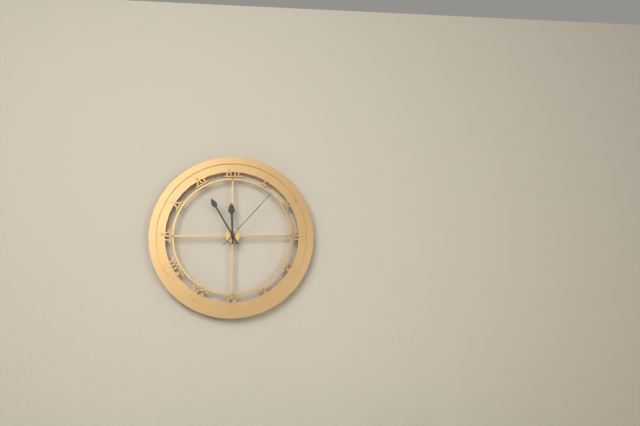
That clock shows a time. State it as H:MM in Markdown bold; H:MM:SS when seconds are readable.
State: **11:55:07**
